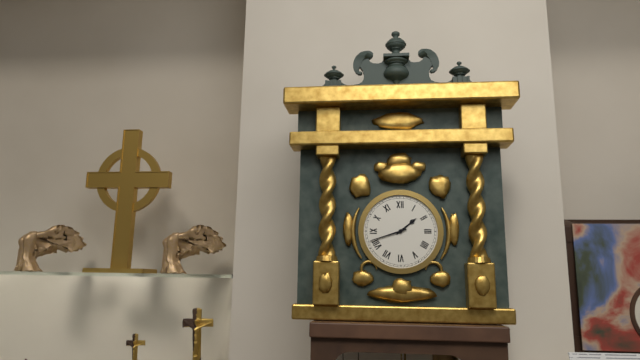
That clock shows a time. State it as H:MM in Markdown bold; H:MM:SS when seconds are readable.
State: **1:42**
